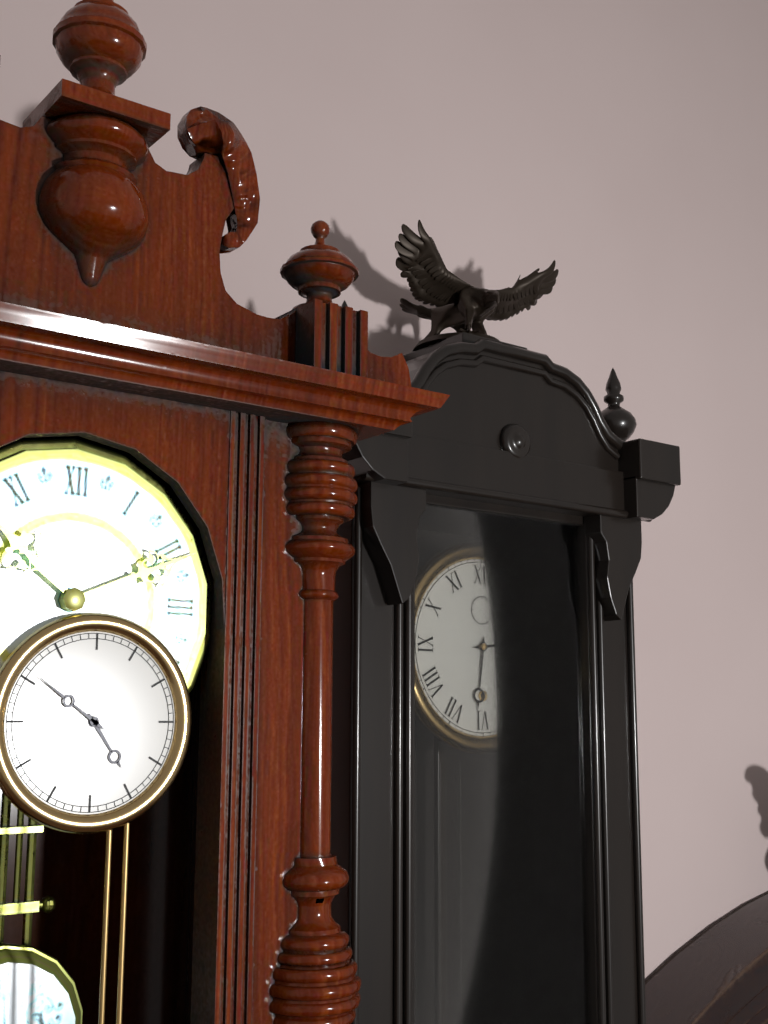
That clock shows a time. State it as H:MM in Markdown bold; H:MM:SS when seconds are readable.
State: **6:14**
